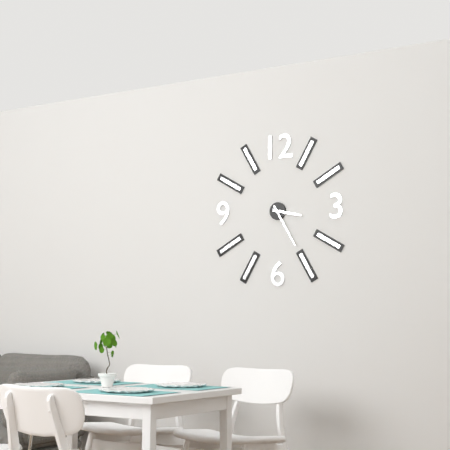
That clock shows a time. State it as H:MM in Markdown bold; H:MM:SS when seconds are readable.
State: **3:25**
